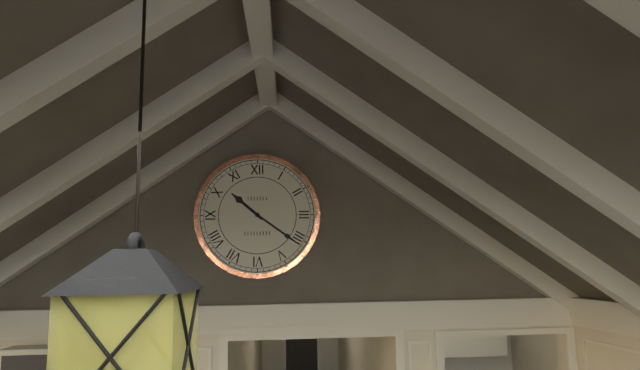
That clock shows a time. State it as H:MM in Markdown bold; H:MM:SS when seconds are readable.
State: **10:21**
